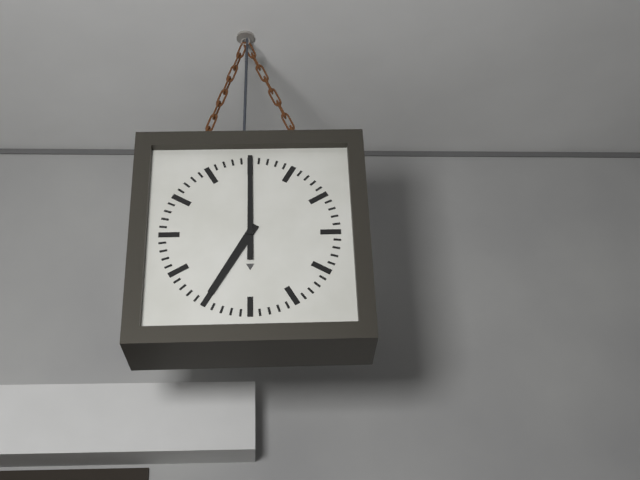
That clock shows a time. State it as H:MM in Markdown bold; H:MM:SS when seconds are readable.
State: **7:00**
